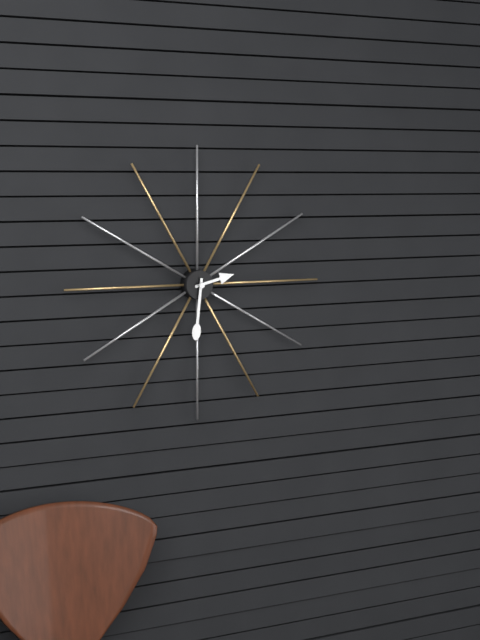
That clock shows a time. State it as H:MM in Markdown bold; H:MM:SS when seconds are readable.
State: **2:31**
